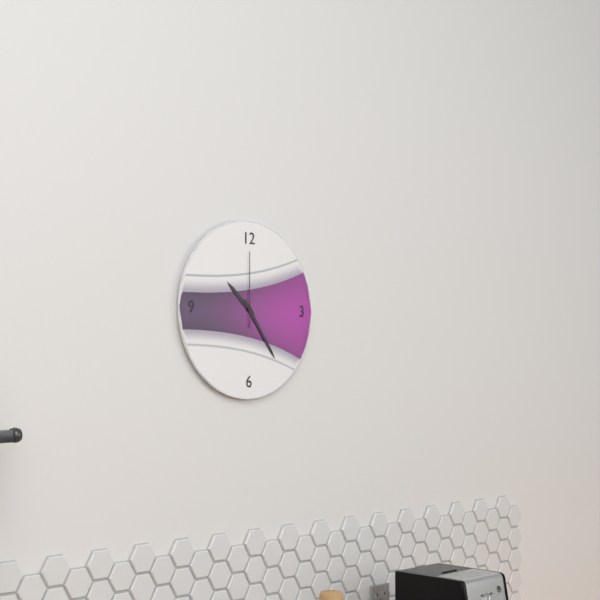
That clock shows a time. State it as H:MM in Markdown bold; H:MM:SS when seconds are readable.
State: **10:24:00**
